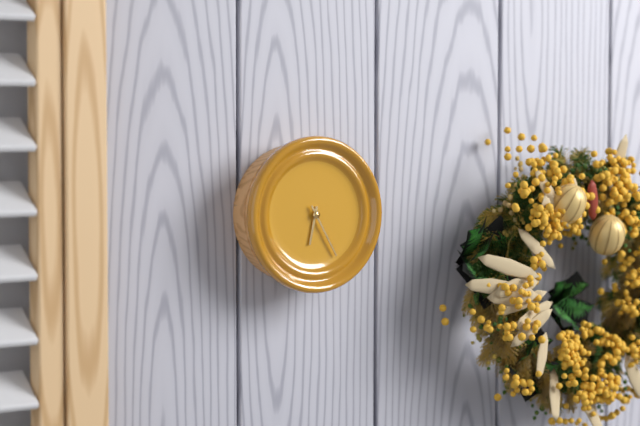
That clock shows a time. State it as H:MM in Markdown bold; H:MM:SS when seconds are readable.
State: **6:25**
